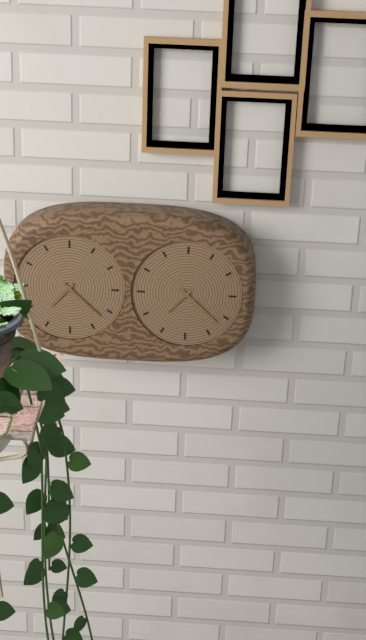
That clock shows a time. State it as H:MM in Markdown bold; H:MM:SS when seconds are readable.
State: **7:22**
